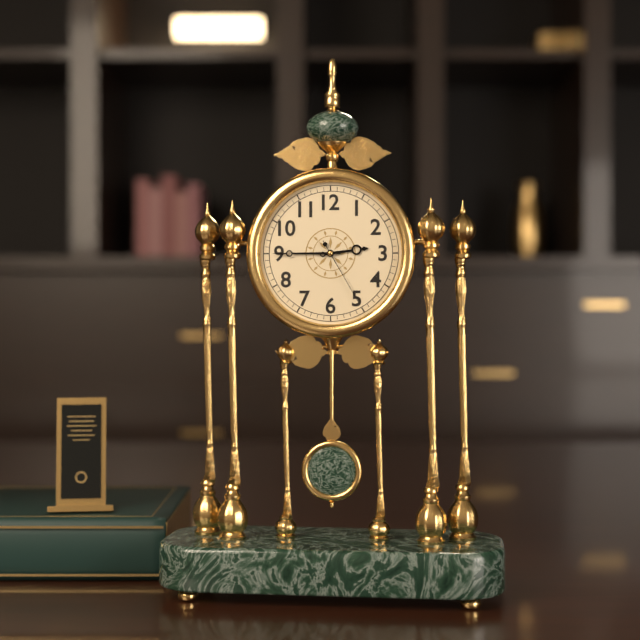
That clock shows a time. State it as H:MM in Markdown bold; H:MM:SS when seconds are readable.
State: **2:45:25**
